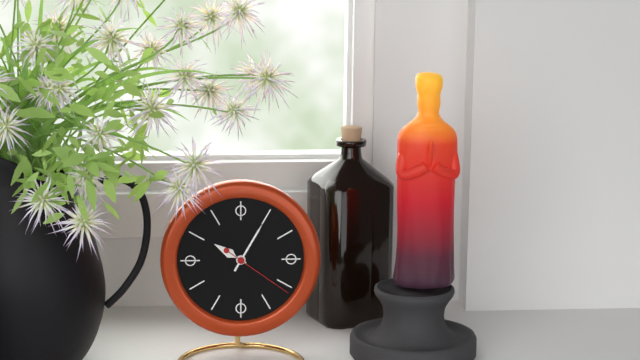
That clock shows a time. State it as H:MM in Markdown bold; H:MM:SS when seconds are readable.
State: **10:05:21**
